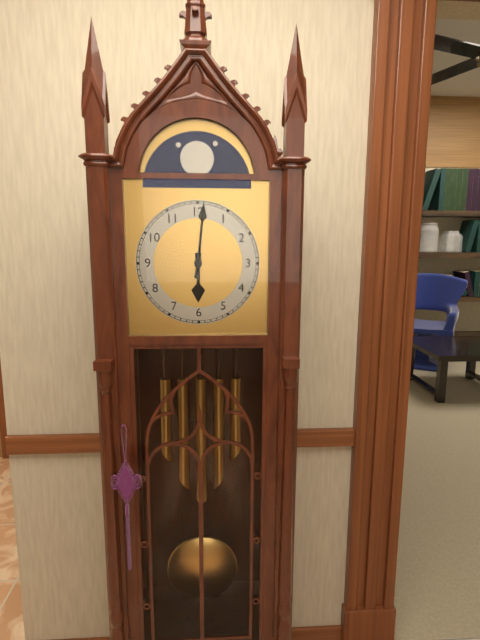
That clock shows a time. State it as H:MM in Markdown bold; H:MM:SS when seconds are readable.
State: **6:01**
